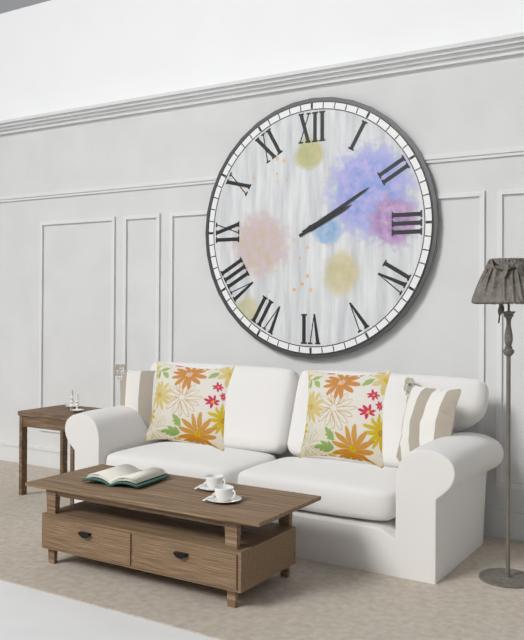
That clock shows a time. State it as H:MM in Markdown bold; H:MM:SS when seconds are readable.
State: **2:10**
